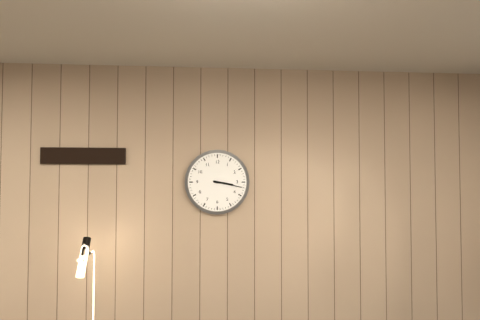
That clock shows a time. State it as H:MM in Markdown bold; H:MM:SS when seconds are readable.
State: **3:17**
